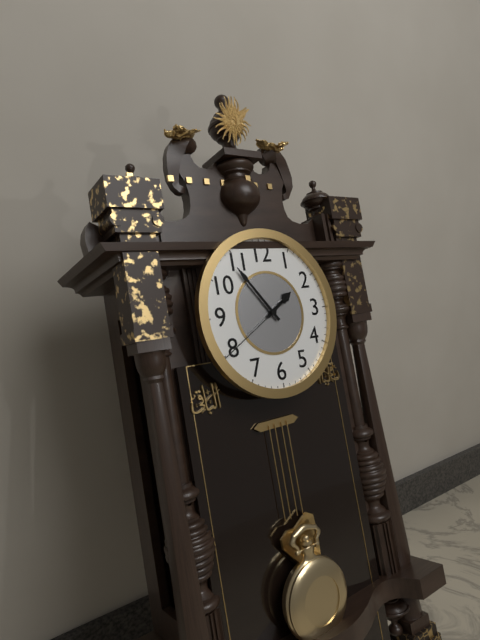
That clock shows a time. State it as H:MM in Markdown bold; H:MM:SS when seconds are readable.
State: **1:54:40**
